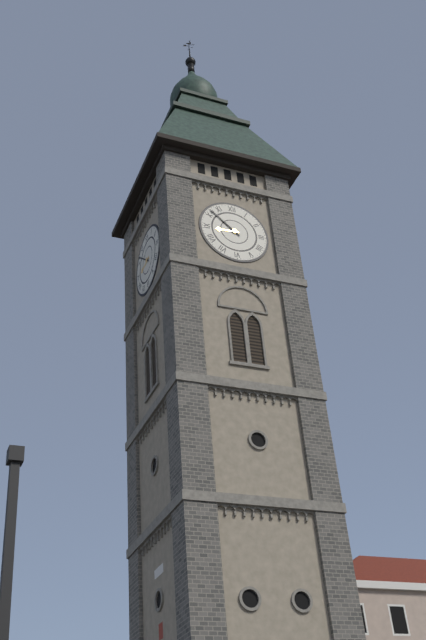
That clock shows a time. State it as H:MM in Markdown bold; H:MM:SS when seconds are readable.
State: **8:52**
